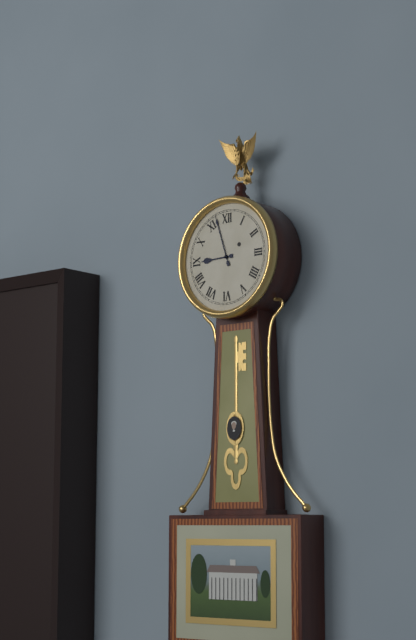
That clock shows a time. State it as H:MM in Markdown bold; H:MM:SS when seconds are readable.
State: **8:57**
